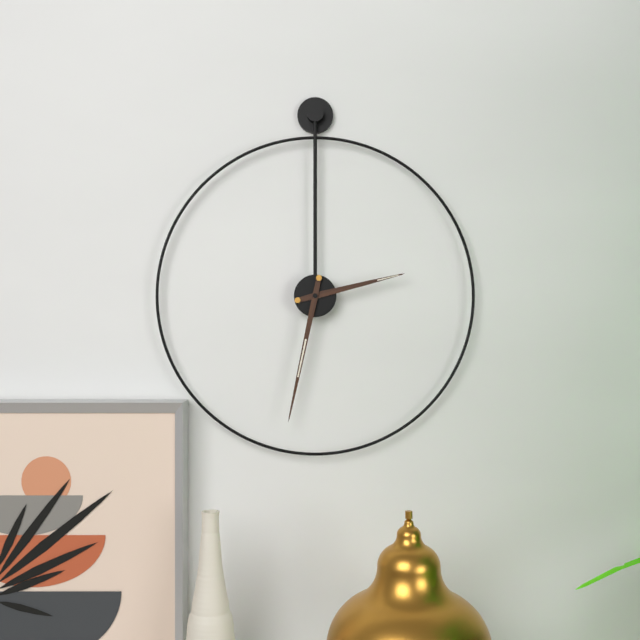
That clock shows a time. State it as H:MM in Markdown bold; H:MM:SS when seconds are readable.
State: **2:32**
